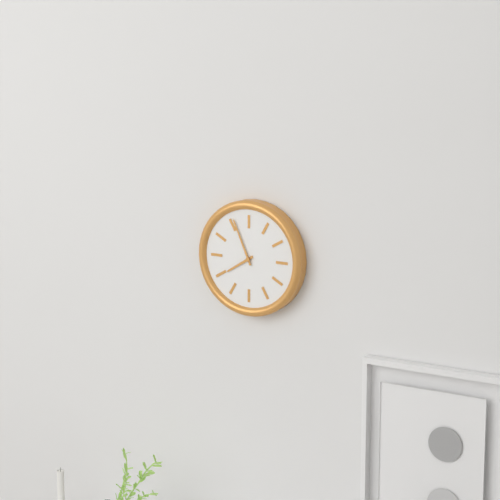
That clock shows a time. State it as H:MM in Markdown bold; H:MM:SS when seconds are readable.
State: **7:56**
